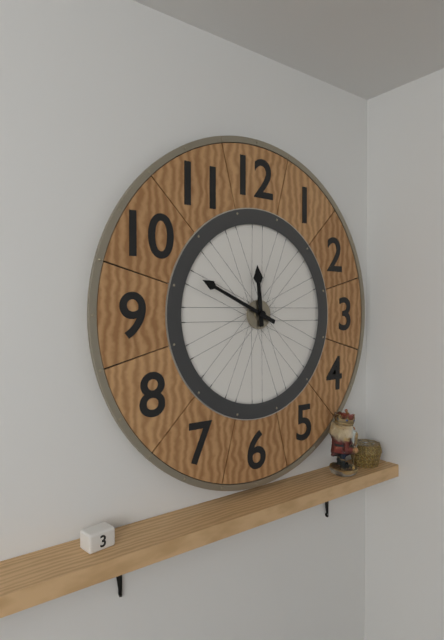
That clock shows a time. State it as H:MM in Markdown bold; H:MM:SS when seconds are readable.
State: **11:49**
